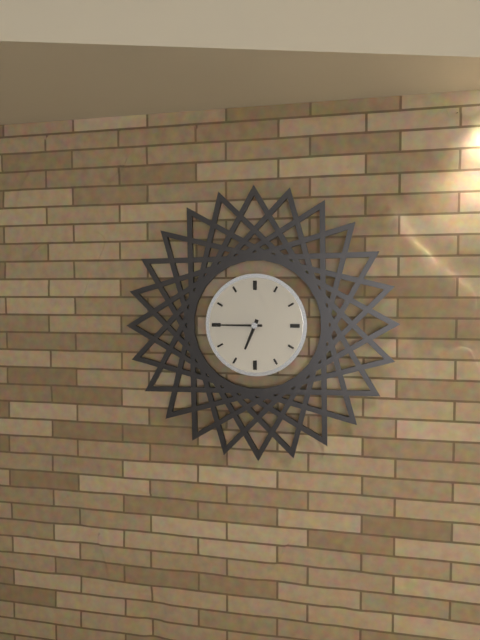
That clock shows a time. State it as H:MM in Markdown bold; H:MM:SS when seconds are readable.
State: **6:45**
